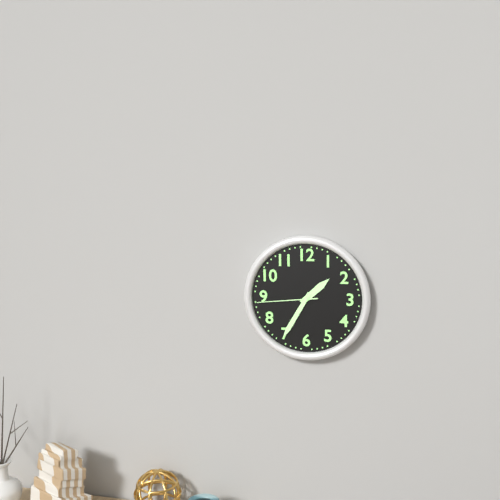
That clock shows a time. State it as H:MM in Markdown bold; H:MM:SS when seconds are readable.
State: **1:35:44**
